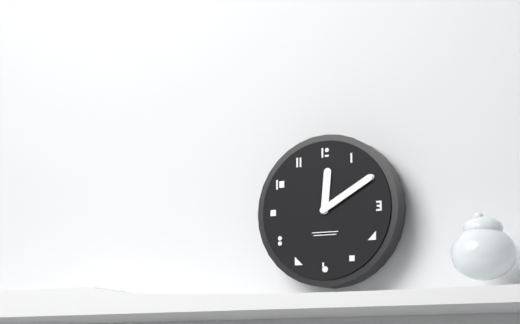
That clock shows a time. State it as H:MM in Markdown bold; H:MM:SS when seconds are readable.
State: **12:10**
